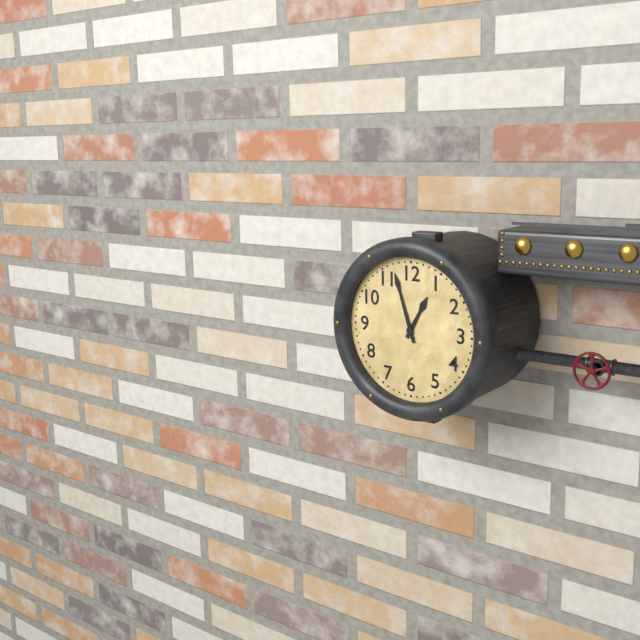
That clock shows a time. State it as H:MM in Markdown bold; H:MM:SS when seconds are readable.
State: **12:57**
